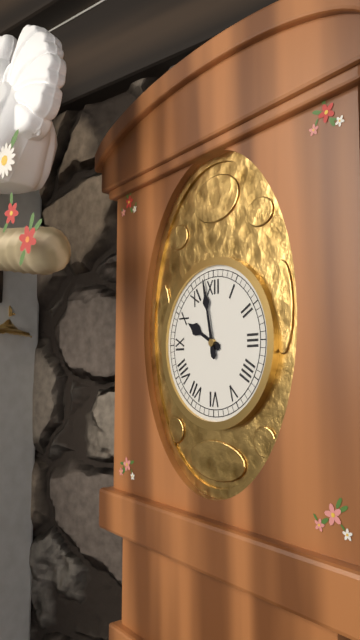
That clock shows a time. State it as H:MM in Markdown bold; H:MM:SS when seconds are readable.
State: **9:58**
